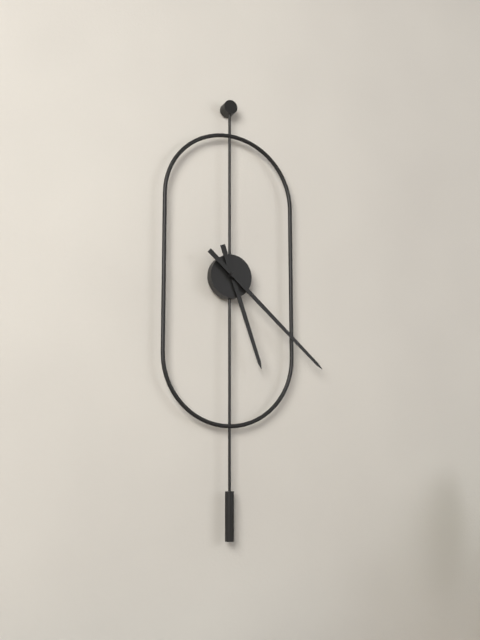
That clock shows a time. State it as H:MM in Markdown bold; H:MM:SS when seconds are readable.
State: **5:22**
